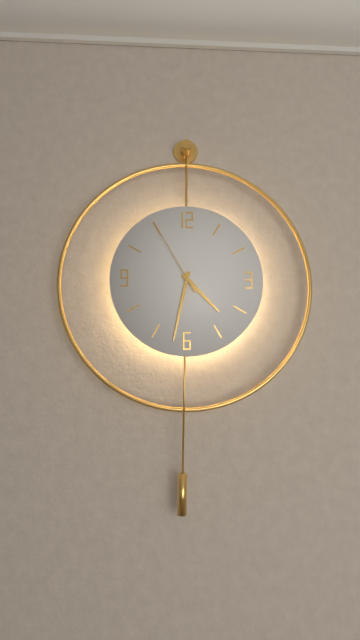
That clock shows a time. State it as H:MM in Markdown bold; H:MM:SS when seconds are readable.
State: **4:32:55**
